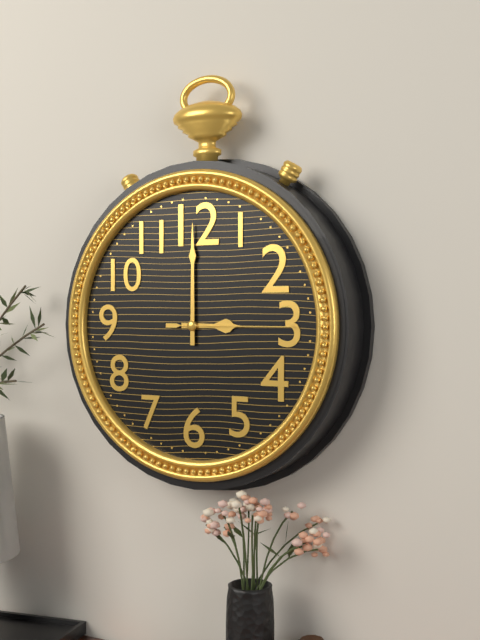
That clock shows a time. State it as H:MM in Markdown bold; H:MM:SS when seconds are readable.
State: **3:00:15**
